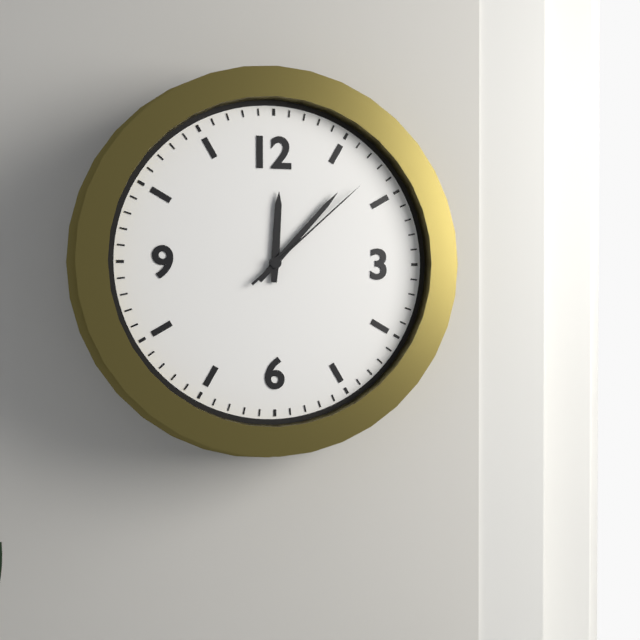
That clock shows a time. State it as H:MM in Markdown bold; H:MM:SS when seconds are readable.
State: **12:07:08**
